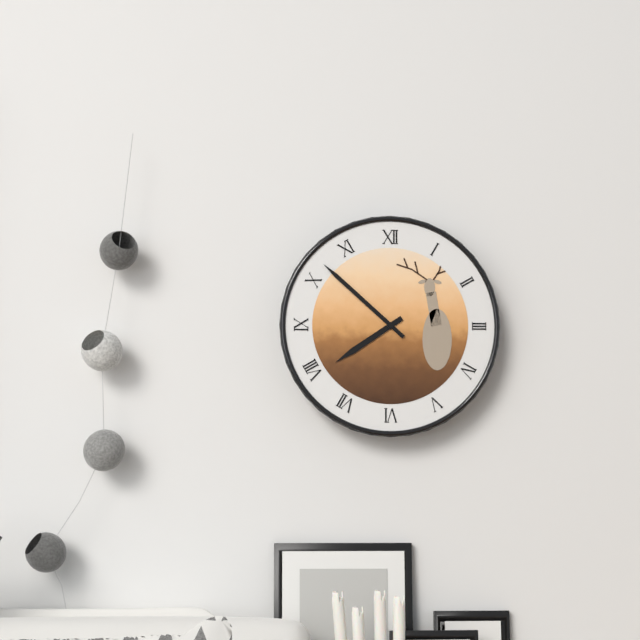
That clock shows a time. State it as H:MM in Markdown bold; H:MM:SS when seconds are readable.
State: **7:52**
